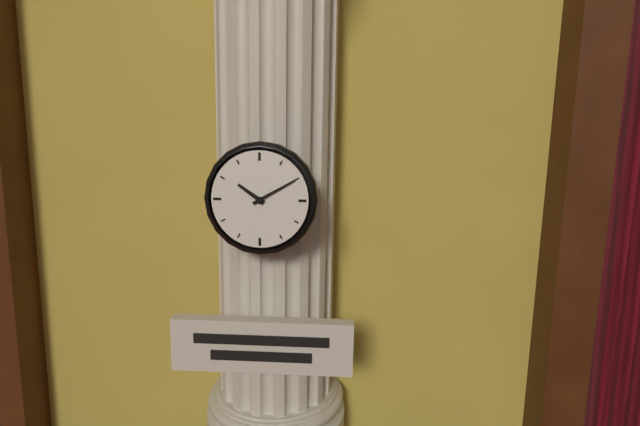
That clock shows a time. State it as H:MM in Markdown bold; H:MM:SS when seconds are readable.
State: **10:10**
